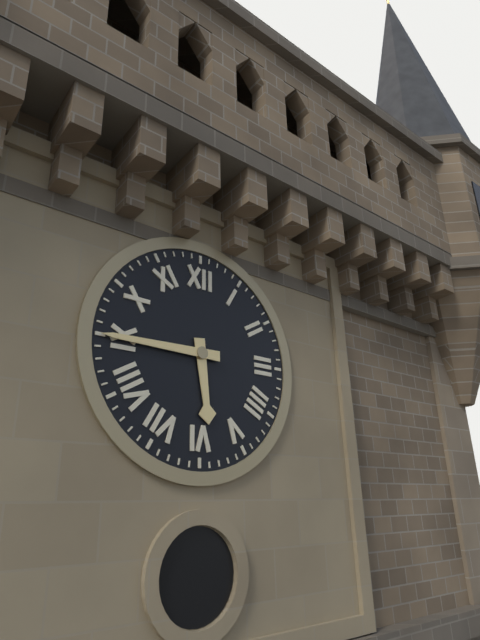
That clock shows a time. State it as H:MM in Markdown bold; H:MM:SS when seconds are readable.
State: **5:45**
